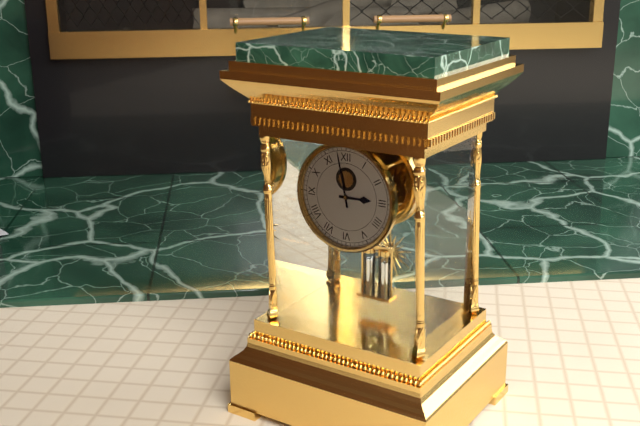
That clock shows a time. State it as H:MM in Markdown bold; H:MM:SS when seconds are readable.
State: **2:58**
